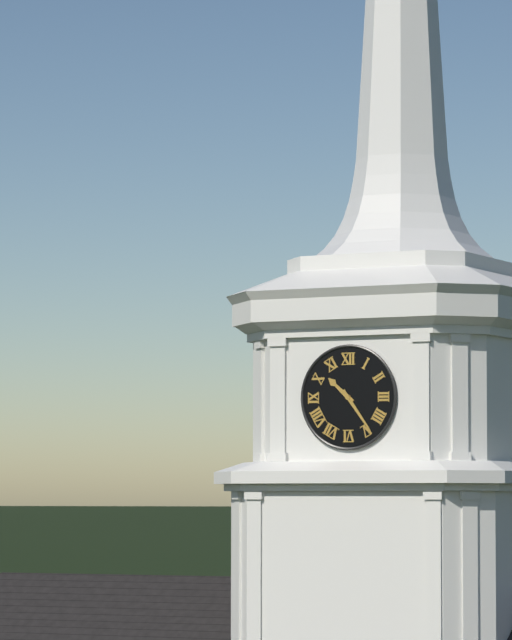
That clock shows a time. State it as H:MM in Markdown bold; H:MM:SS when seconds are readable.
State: **10:24**
